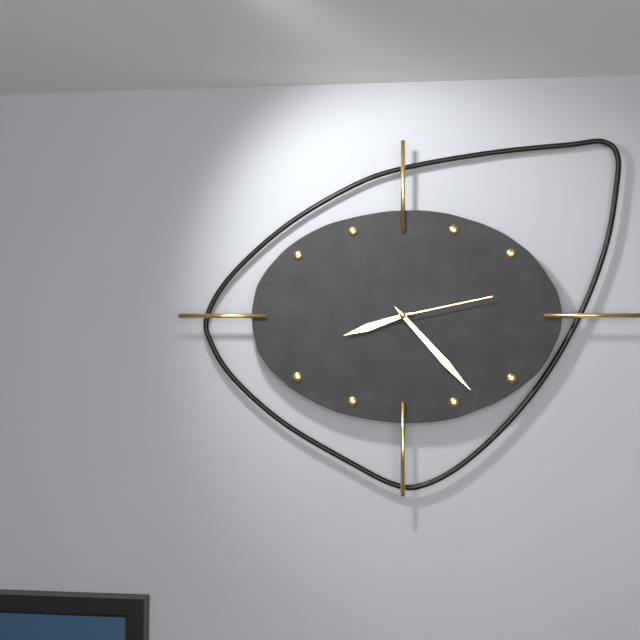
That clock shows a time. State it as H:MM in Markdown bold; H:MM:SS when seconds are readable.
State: **8:23:13**
